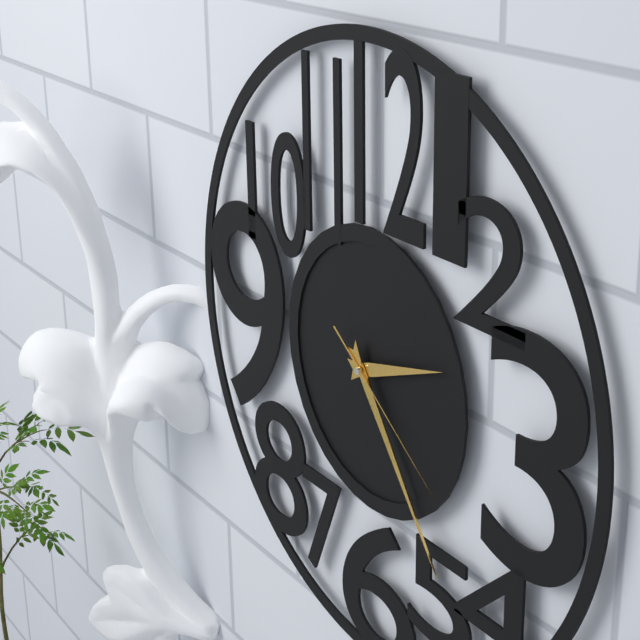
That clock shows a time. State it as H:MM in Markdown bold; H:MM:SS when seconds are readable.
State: **2:24:21**
